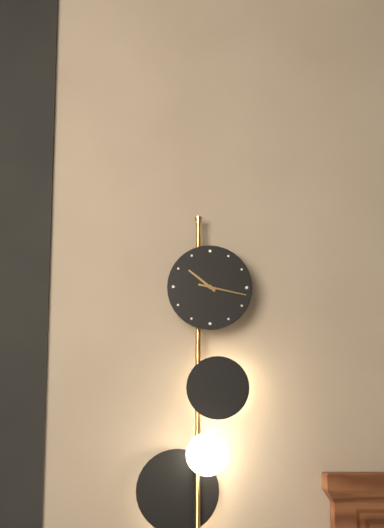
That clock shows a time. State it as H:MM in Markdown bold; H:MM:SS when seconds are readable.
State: **10:17**
